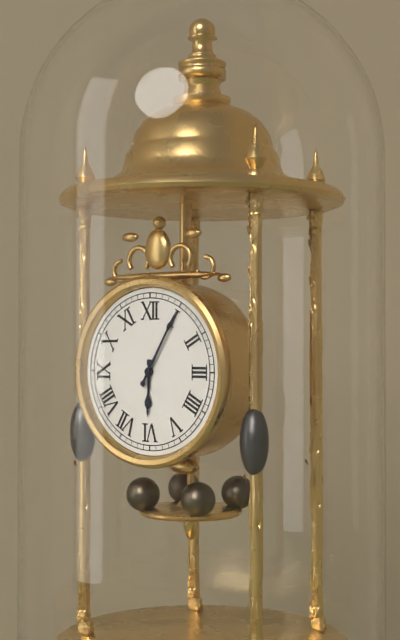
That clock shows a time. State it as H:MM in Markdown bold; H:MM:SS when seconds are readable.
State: **6:05**
